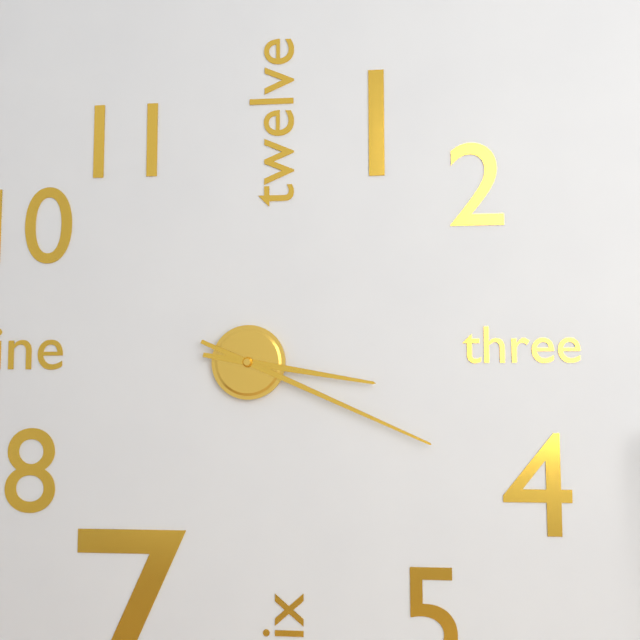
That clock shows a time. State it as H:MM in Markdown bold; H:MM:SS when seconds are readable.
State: **3:19**
